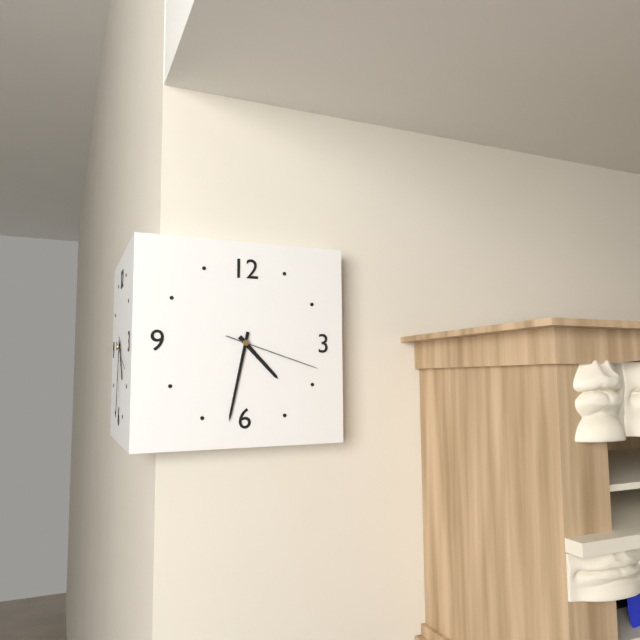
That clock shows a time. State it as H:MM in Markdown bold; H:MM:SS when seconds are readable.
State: **4:32:18**
